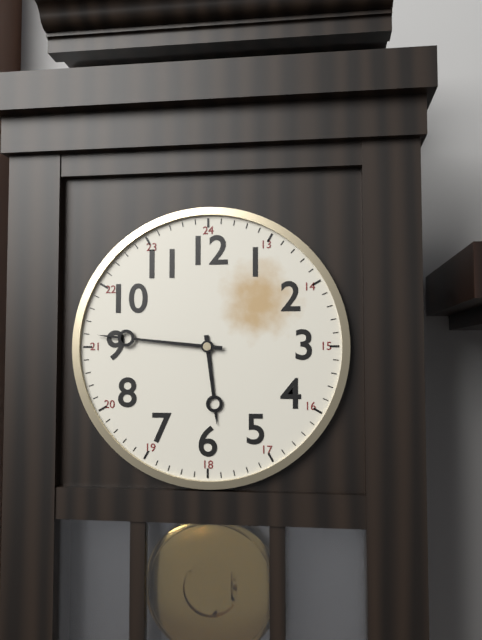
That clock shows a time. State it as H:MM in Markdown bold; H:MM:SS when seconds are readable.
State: **5:46**
